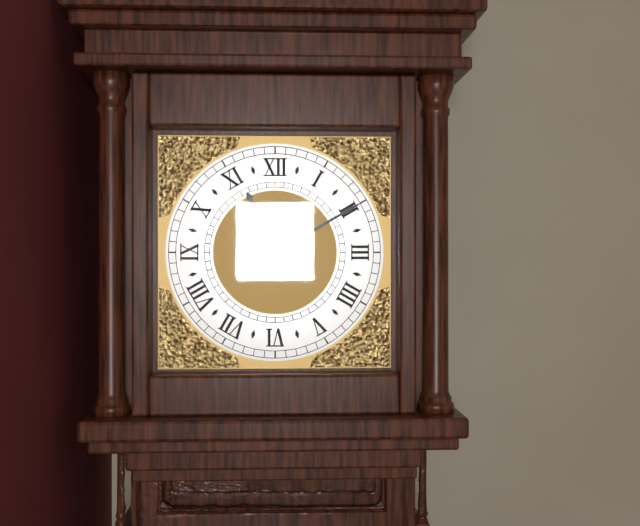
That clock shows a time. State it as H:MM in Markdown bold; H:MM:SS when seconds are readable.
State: **11:10**
